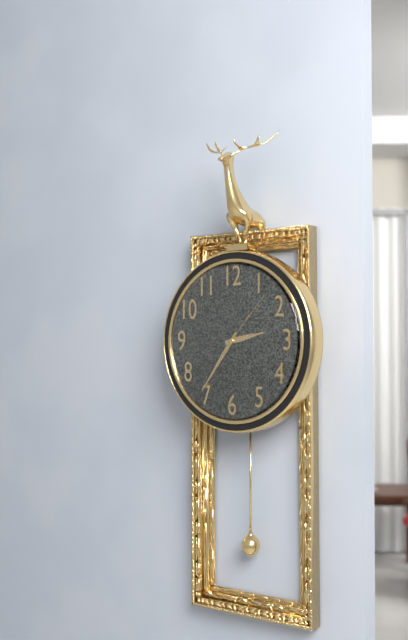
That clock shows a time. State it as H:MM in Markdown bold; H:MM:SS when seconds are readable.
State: **2:36:07**
